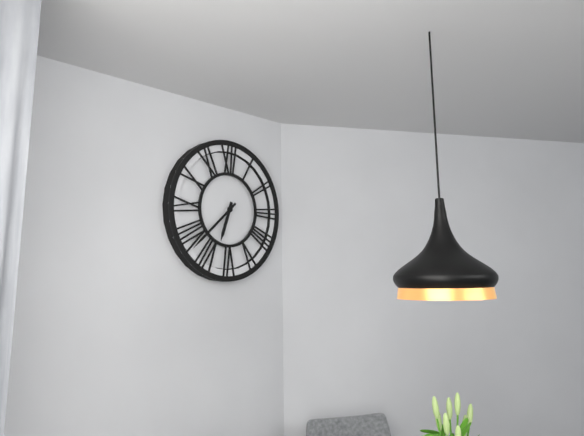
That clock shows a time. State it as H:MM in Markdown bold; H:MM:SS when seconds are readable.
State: **6:38**
